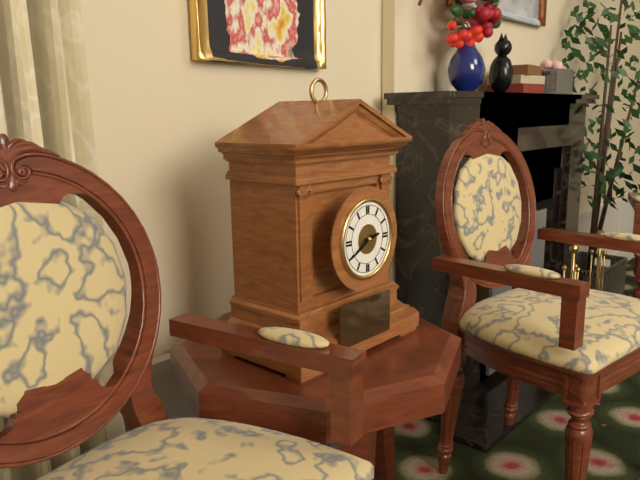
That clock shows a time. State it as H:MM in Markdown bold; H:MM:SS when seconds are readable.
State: **2:40**
